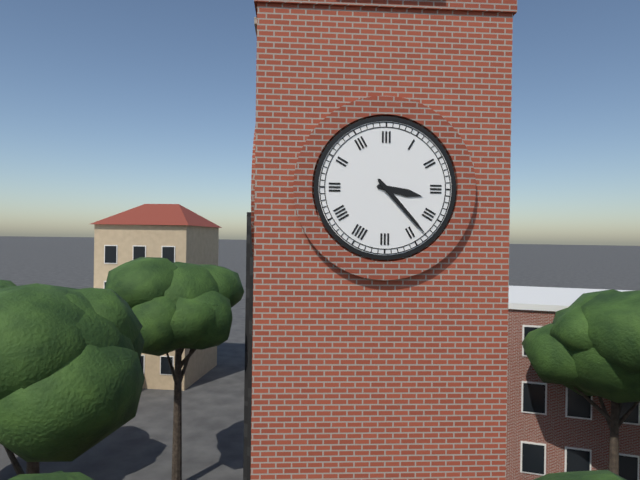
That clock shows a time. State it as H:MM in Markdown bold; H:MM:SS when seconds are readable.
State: **3:23**
